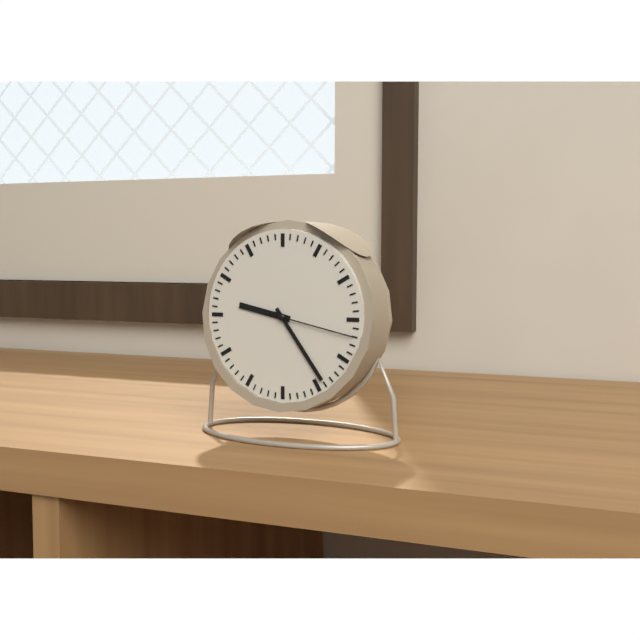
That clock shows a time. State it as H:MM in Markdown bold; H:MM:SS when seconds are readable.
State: **9:24:17**
